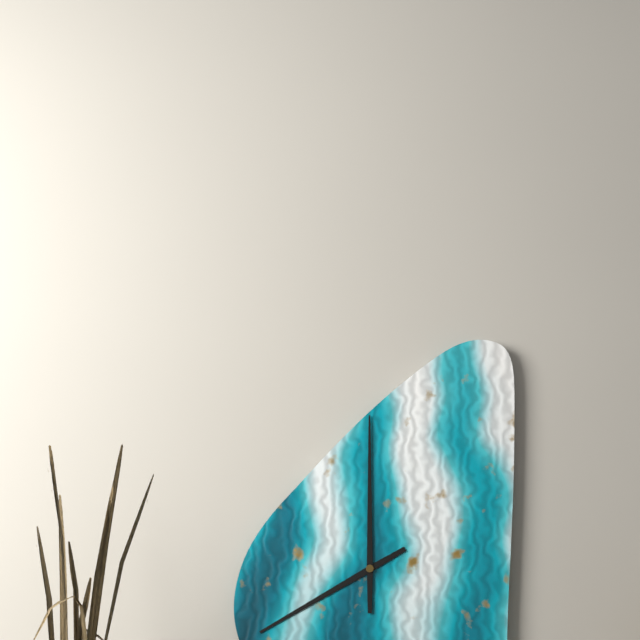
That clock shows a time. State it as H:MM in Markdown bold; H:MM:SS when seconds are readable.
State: **8:00**
